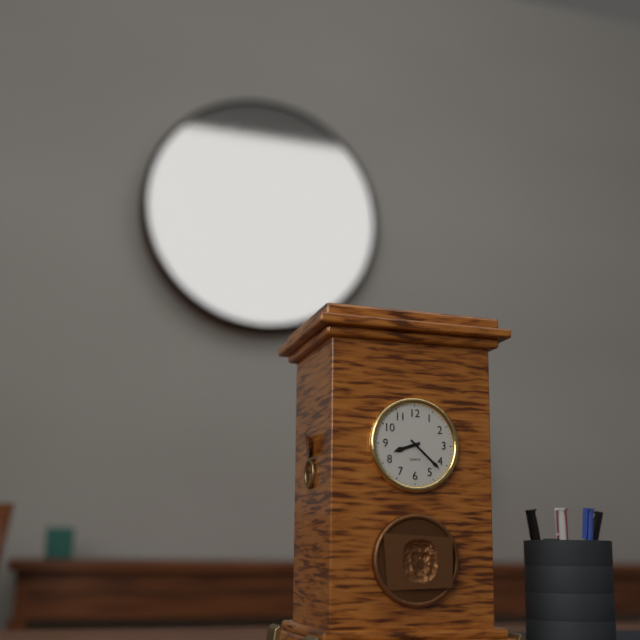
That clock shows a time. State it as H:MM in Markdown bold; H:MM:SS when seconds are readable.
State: **8:22**
